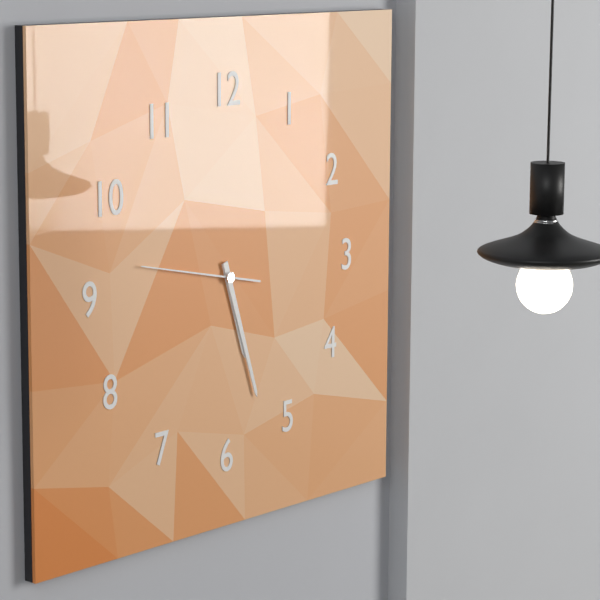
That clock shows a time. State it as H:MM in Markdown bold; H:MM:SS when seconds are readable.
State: **5:27:47**
